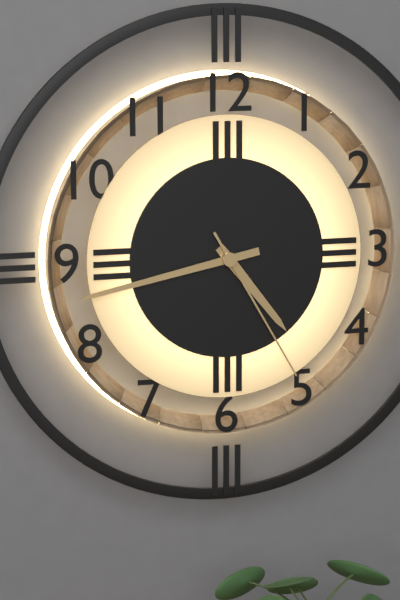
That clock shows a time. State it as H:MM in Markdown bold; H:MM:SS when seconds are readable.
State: **4:43:25**
